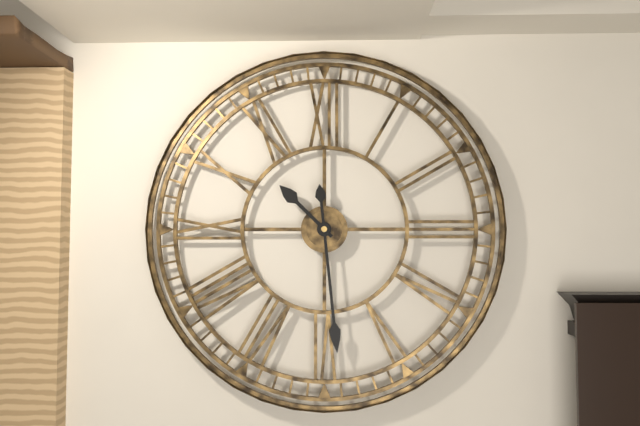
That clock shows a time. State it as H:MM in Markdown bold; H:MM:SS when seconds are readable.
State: **10:29**
